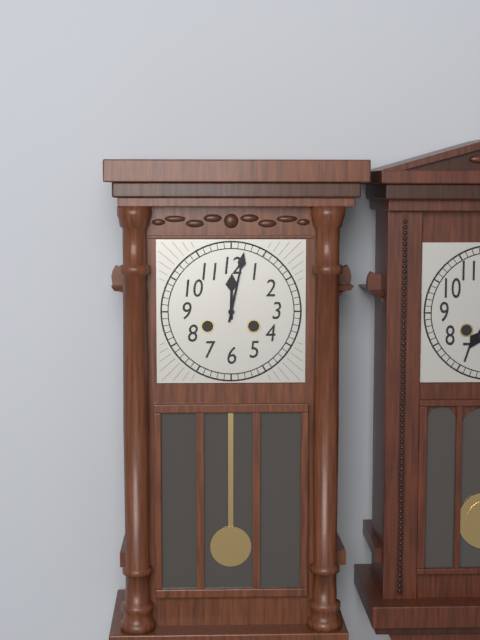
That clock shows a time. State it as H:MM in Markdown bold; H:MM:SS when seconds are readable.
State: **12:02**
